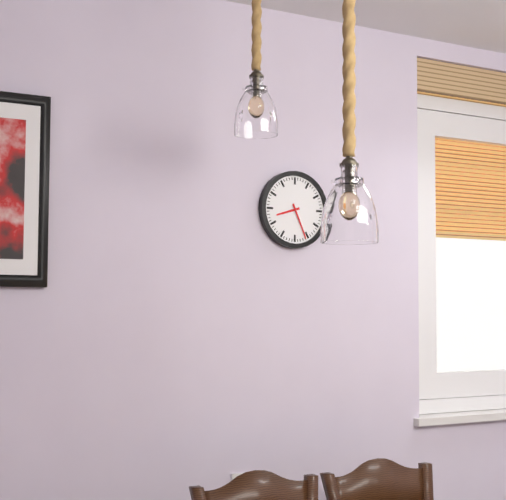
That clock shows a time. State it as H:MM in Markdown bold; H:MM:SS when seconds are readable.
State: **8:26**
